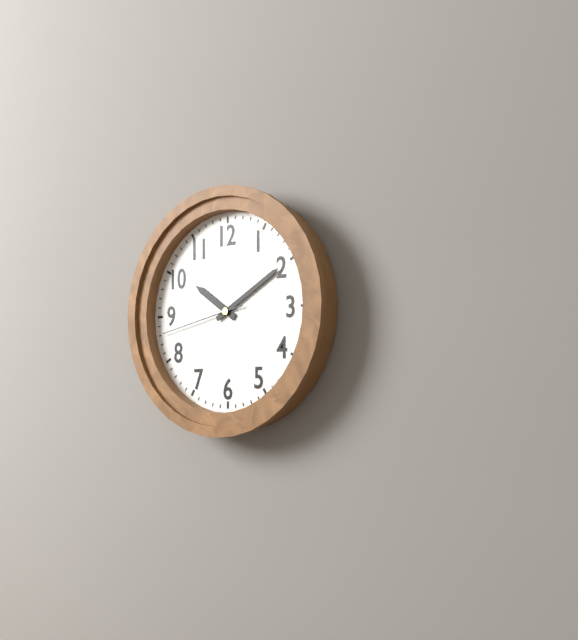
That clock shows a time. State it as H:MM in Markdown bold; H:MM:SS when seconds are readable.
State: **10:10:43**
